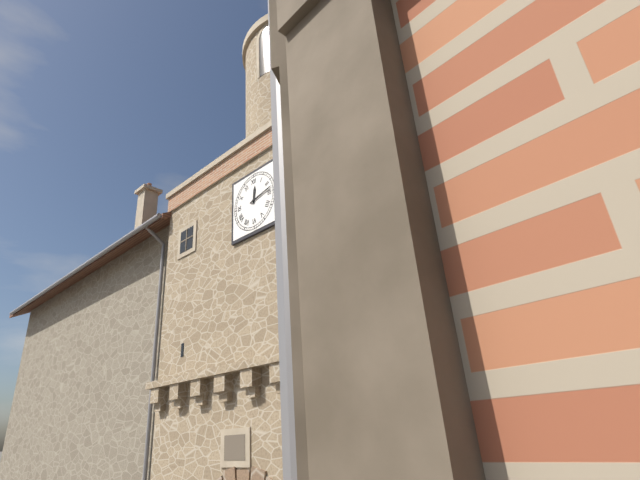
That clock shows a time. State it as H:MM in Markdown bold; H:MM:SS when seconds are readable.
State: **12:13**
